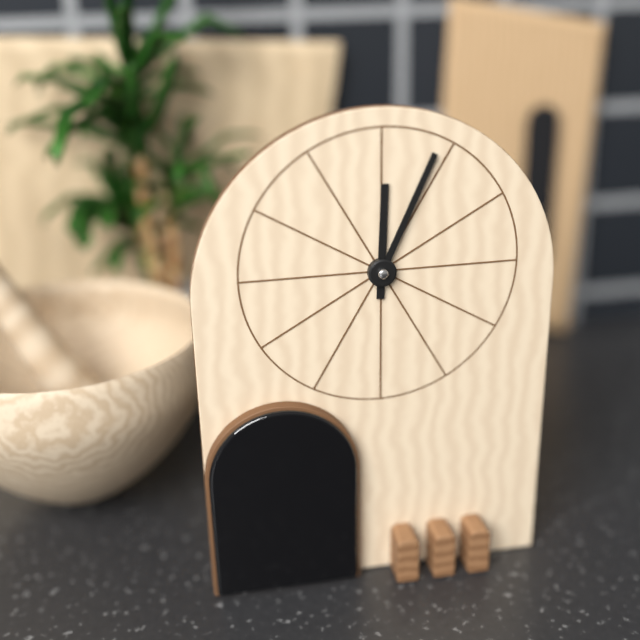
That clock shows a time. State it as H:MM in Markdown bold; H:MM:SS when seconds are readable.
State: **12:04**
